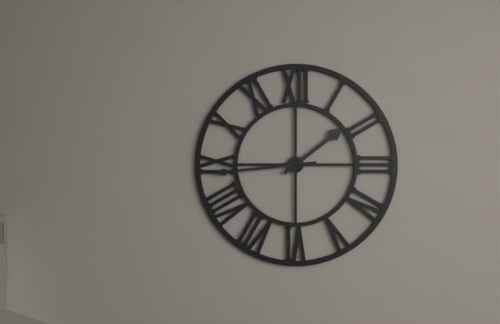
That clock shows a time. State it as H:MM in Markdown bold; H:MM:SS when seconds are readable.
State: **1:44**
